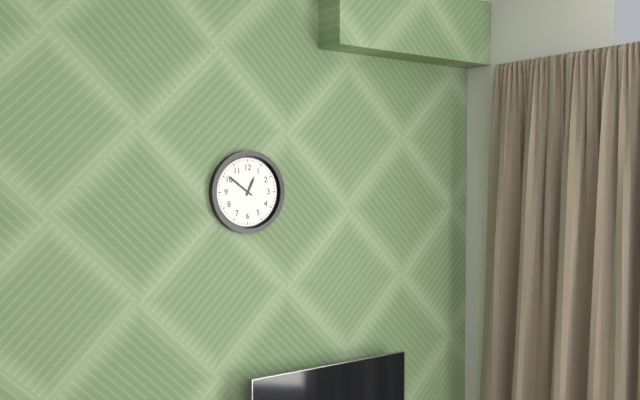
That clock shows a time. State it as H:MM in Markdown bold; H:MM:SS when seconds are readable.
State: **12:51**
